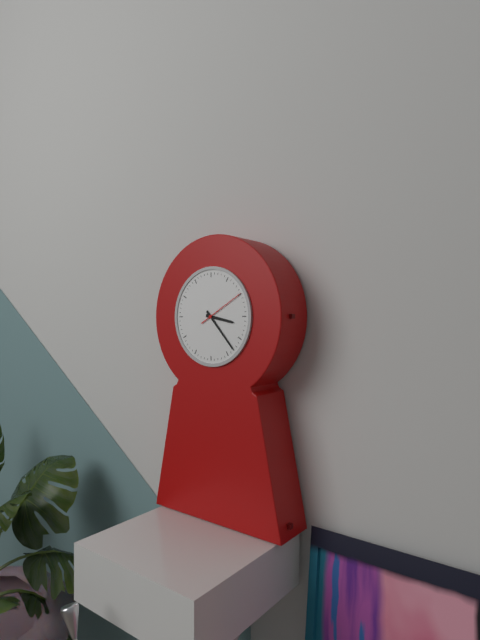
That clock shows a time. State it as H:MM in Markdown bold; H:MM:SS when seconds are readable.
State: **3:23**
